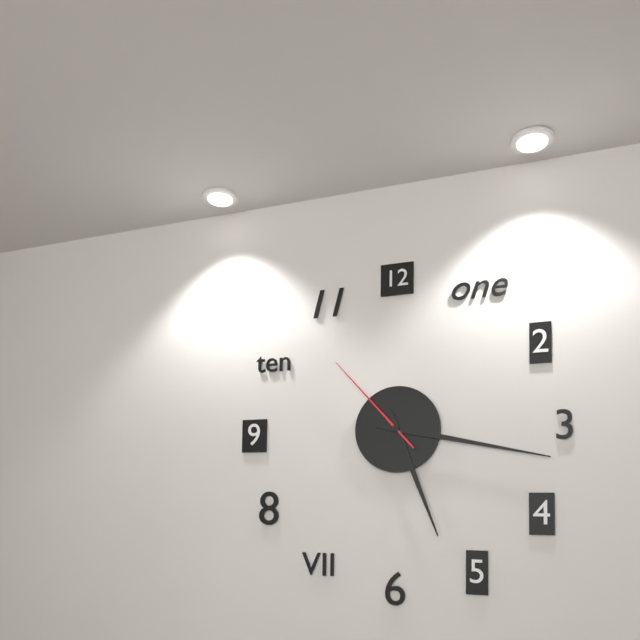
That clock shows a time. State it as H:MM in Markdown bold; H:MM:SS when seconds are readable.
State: **5:17:53**
